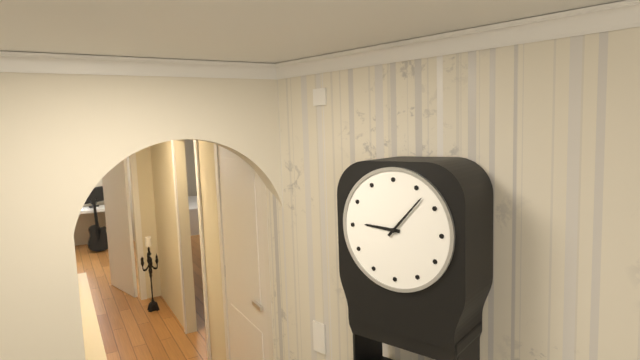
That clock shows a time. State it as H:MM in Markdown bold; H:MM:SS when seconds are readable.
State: **9:07**
